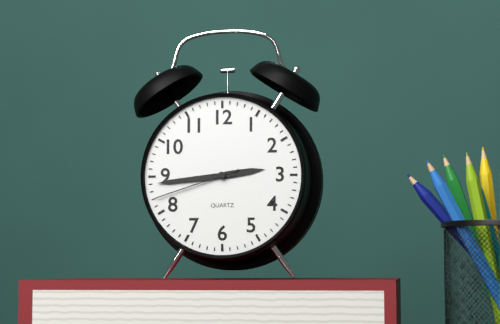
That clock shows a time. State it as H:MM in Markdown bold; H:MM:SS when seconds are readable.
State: **2:44:42**
